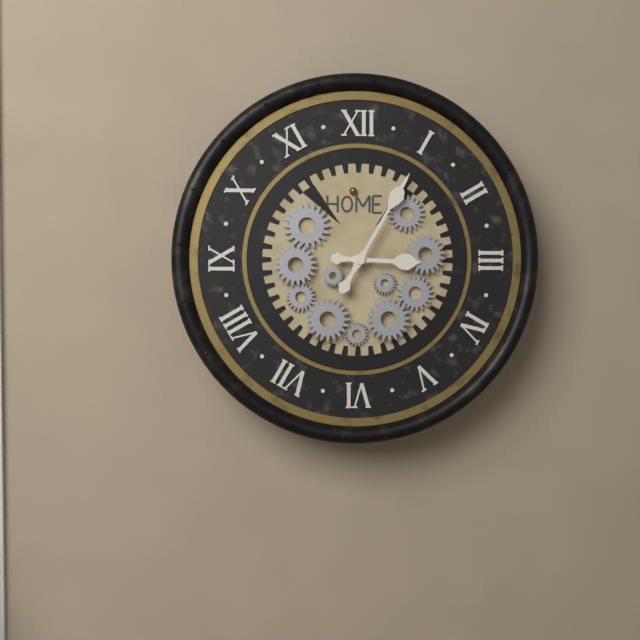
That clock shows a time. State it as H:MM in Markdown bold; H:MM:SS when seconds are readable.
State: **3:05**
